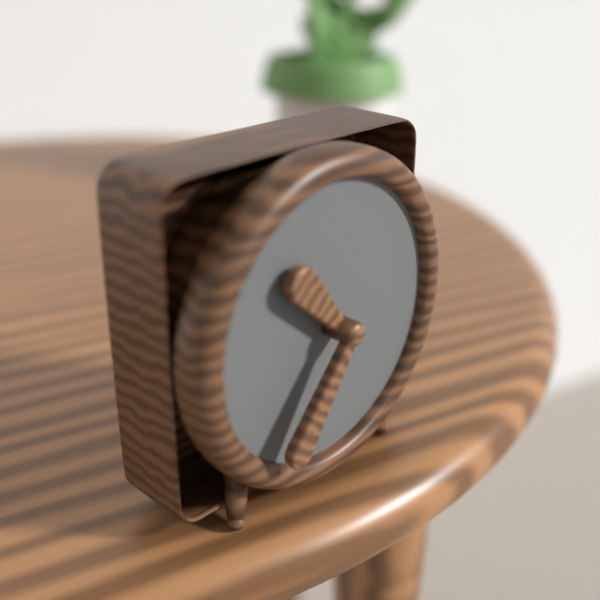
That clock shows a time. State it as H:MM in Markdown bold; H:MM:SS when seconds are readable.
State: **10:36**
